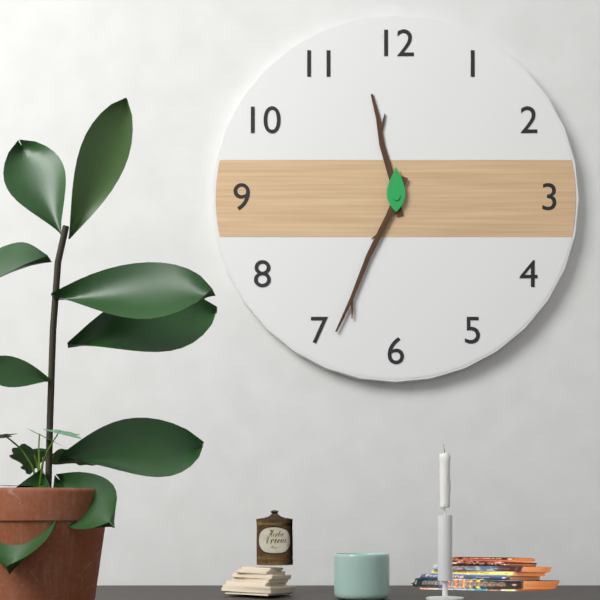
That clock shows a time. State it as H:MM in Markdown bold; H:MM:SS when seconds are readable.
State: **11:34**
